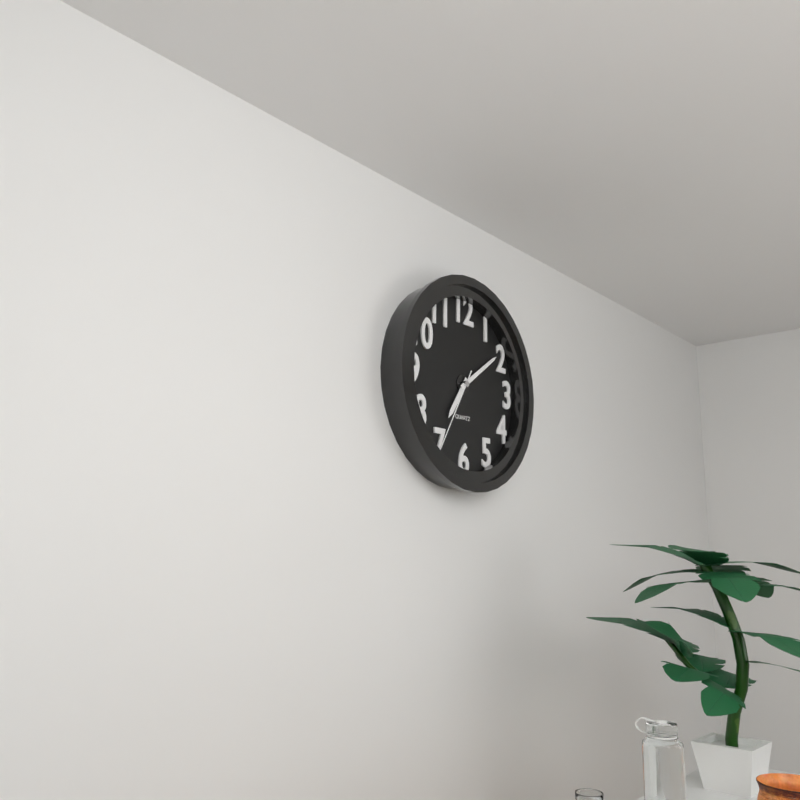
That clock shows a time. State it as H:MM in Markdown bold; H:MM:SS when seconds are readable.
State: **7:09:35**
